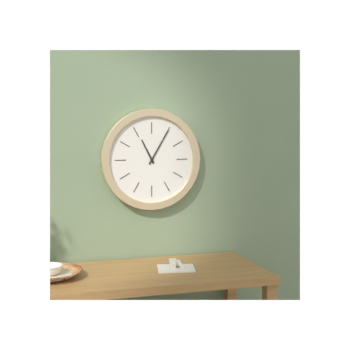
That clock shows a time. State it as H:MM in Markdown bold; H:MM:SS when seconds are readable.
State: **11:05**
